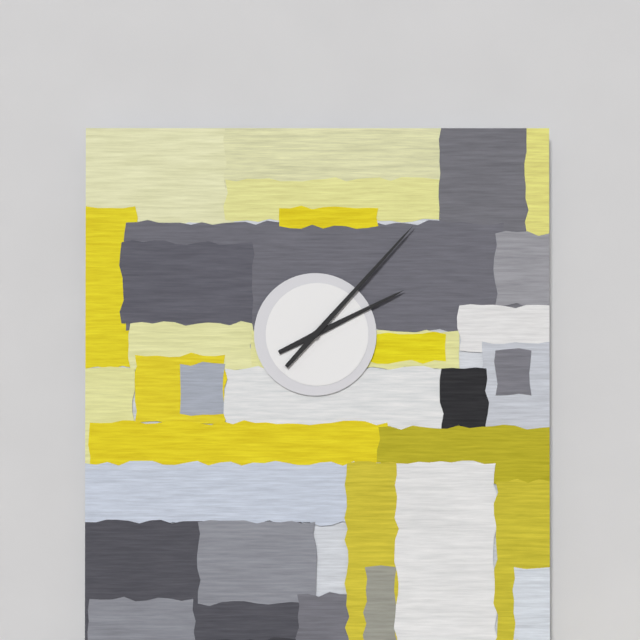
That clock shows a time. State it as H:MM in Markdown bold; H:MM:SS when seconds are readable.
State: **2:07**
